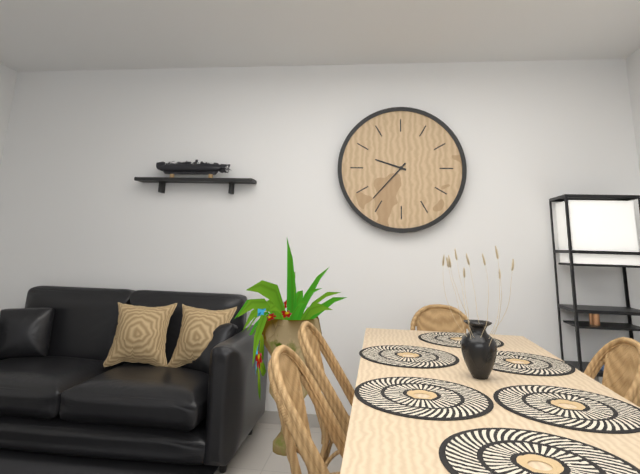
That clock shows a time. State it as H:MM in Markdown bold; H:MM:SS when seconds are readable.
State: **9:37**
